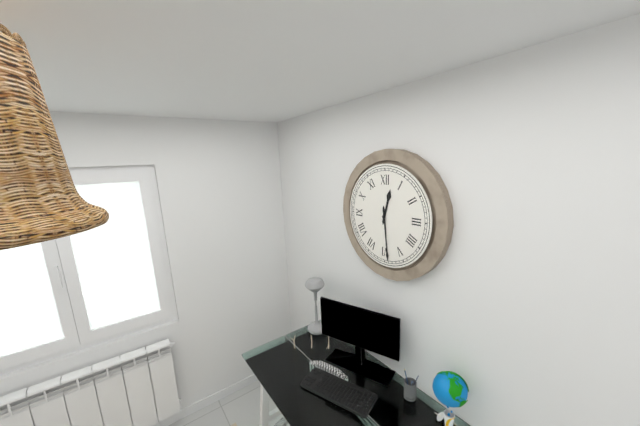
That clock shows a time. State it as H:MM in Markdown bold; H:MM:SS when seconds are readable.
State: **12:29**
